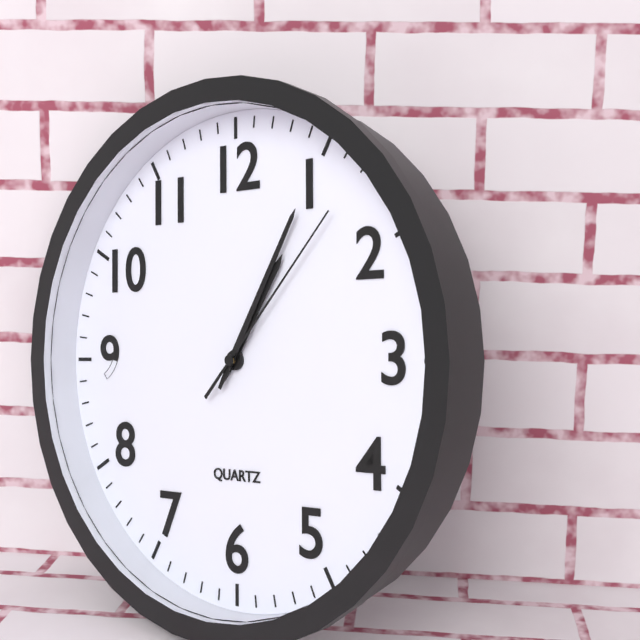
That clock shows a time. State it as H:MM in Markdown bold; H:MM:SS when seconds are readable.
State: **1:05:07**
